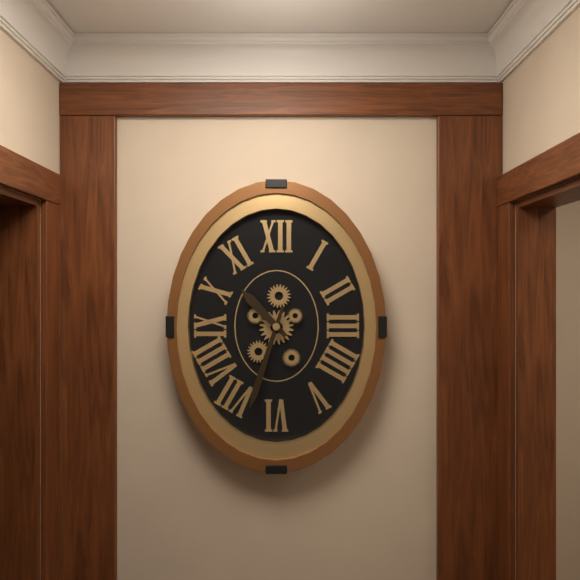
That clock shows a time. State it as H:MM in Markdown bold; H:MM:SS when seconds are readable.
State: **10:33**
